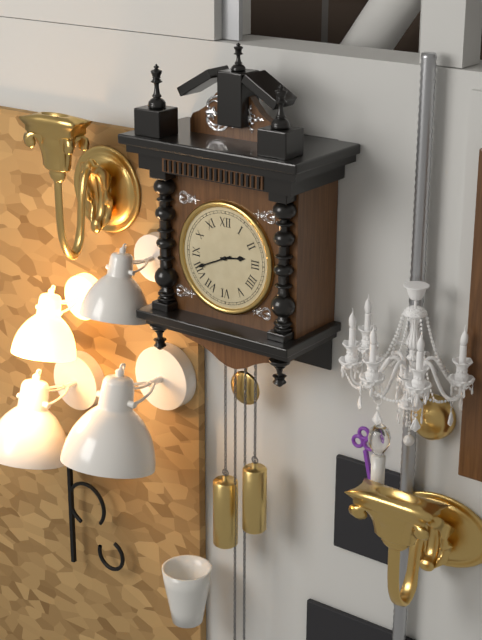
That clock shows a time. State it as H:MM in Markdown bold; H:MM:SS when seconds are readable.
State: **2:41**
